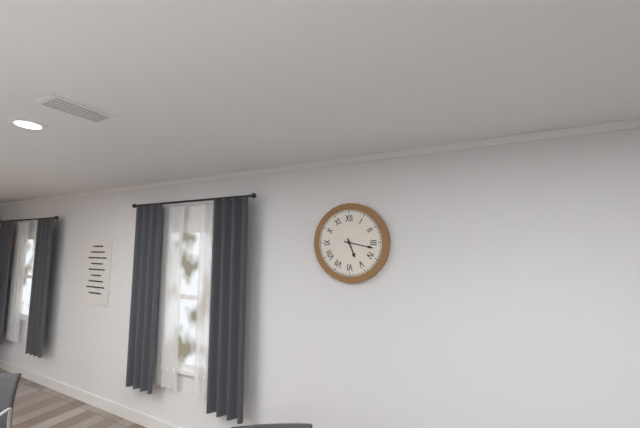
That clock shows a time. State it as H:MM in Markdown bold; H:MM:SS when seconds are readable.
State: **5:17**
